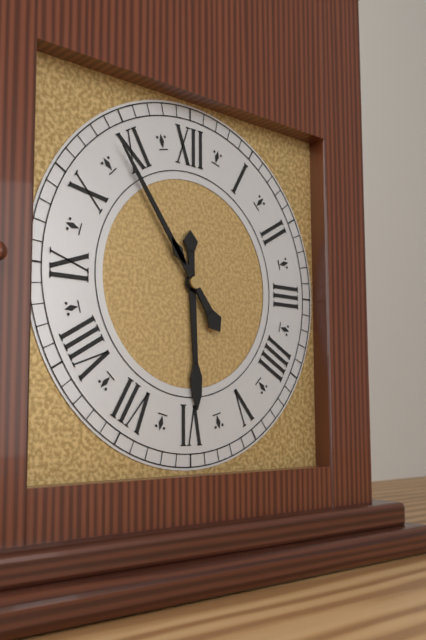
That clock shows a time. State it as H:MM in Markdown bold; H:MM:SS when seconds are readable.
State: **5:54**
